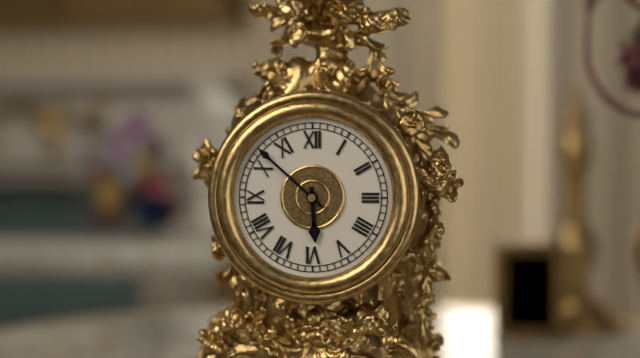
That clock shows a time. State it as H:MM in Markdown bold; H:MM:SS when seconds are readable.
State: **5:52**
